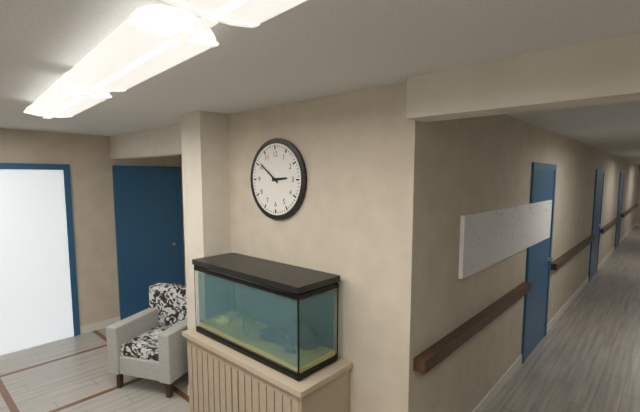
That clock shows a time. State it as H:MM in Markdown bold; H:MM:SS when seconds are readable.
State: **2:51**
